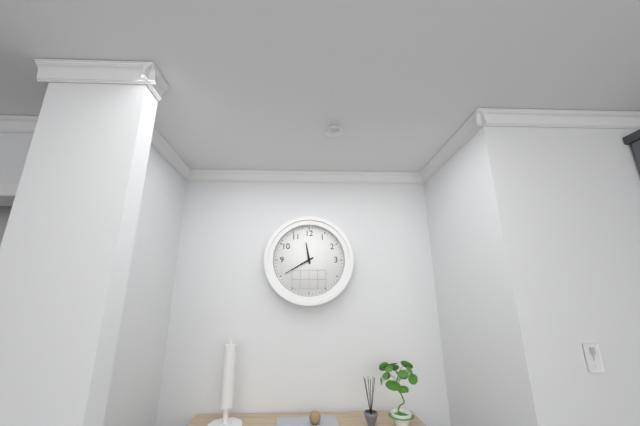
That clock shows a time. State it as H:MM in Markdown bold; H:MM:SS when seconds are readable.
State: **11:40**
